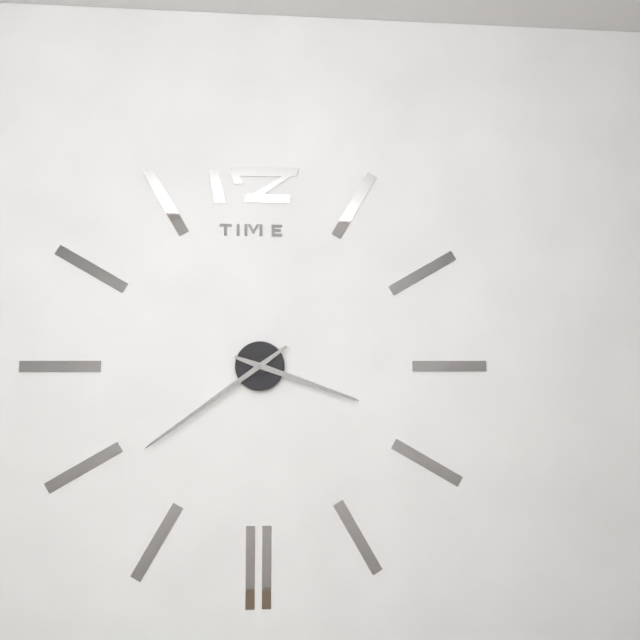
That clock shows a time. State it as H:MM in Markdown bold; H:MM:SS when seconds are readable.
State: **3:39**
